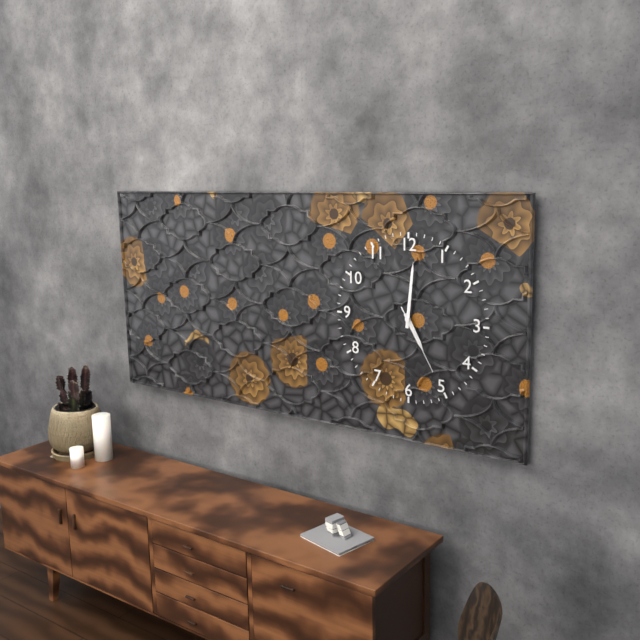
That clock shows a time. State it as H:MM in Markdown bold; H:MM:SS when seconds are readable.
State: **5:01:25**
